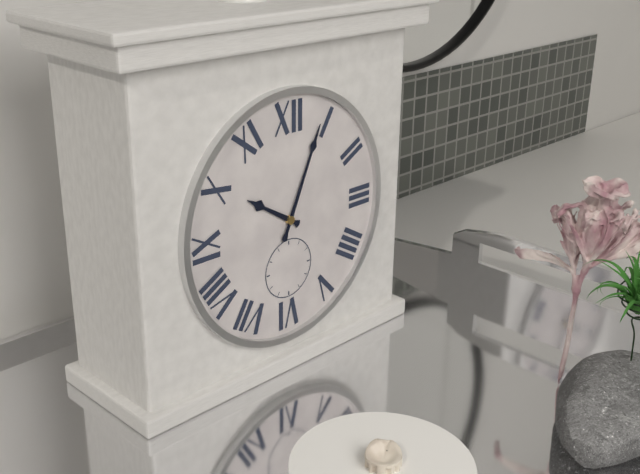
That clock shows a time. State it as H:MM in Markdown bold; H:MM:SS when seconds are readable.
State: **10:04**
